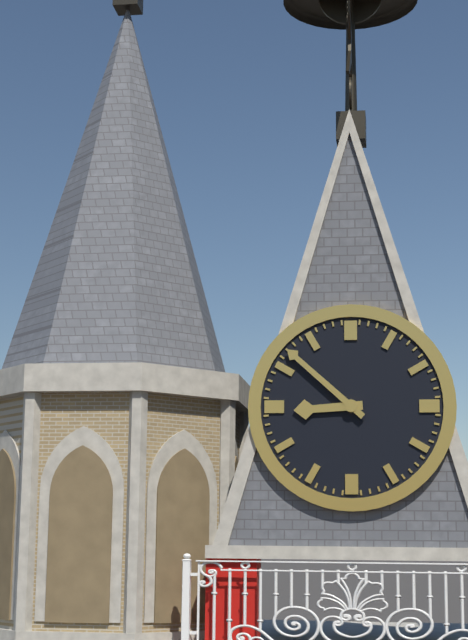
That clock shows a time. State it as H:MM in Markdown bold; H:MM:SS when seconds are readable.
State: **8:52**
